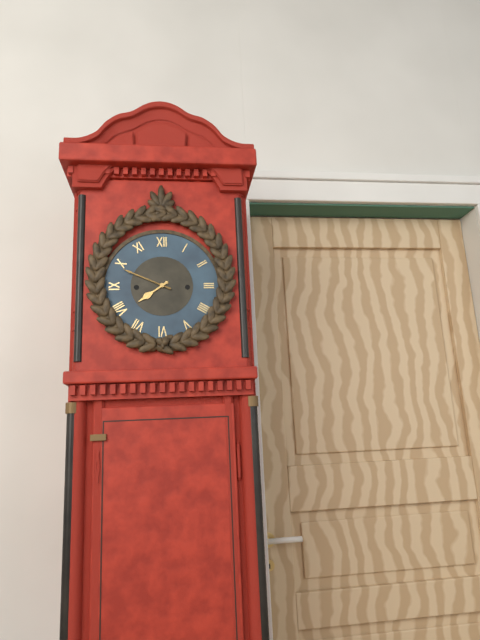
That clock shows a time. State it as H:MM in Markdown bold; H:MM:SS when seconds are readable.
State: **7:49**
